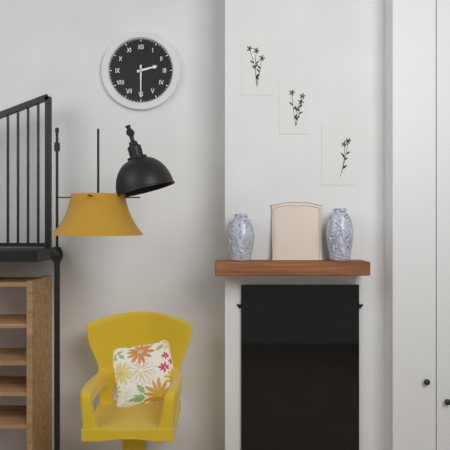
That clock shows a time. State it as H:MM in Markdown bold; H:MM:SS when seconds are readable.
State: **2:30**
